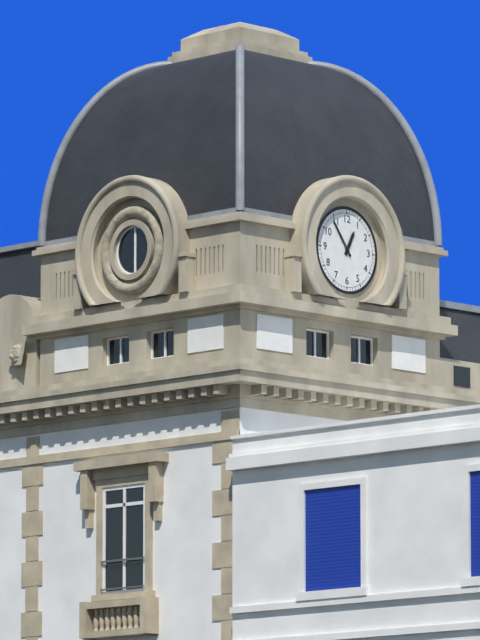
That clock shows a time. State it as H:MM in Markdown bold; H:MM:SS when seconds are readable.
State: **12:54**
